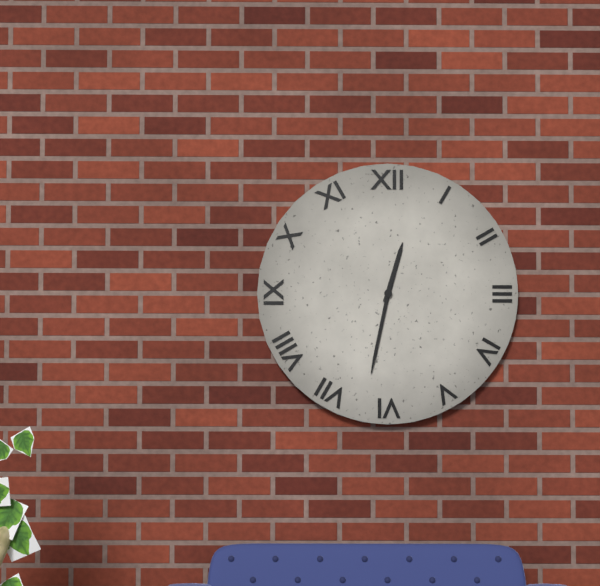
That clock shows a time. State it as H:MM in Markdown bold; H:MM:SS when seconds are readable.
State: **12:32**
